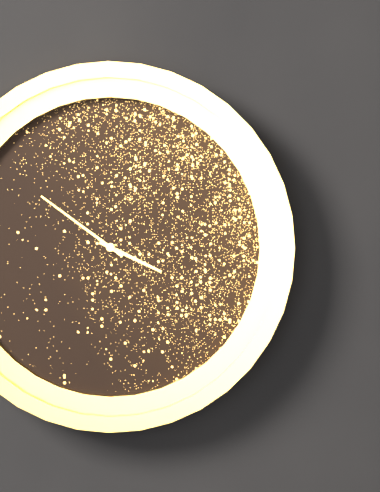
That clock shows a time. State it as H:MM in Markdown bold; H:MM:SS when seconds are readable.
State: **3:51**
